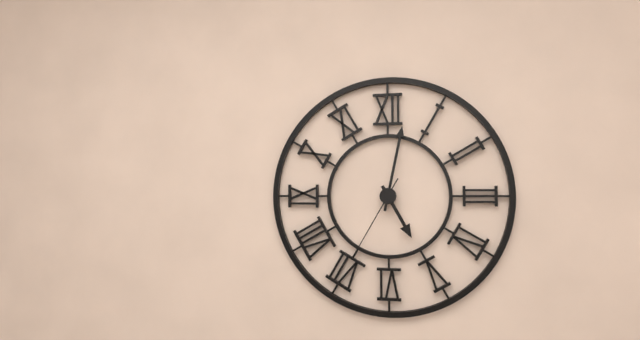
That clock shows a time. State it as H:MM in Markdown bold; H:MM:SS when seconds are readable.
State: **5:02:35**
